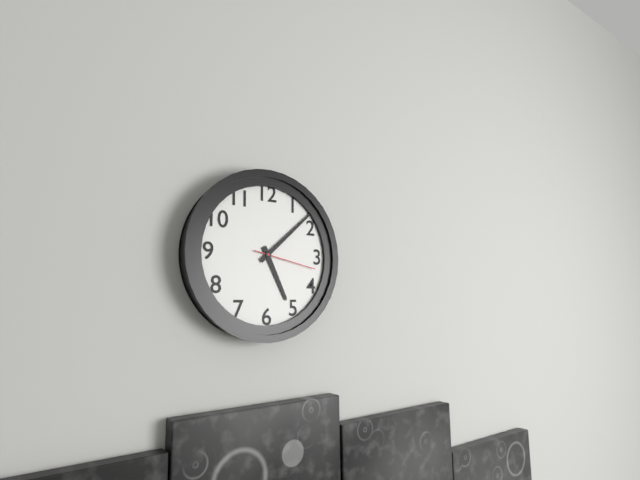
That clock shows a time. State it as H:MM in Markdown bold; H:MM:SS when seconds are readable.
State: **5:08:17**
